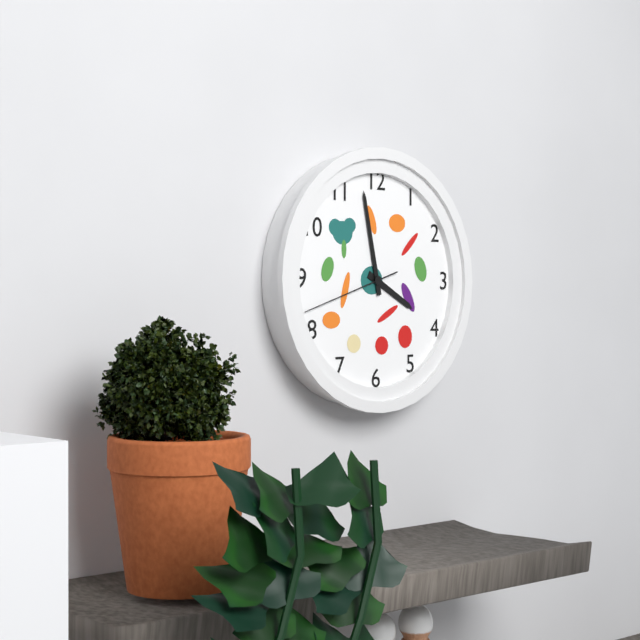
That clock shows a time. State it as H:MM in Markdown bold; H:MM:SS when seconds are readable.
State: **3:58:42**
